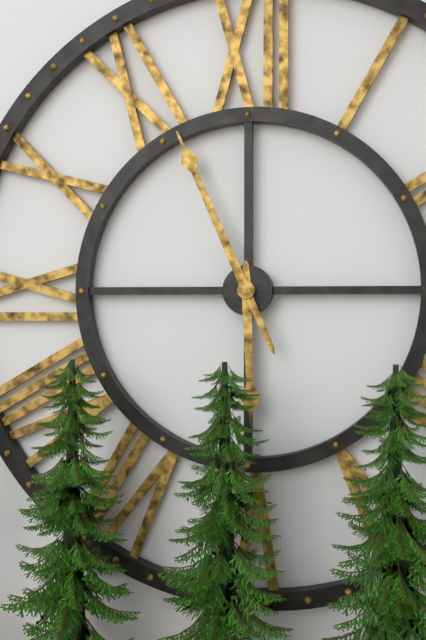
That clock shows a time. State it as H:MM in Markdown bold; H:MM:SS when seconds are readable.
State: **5:56**
